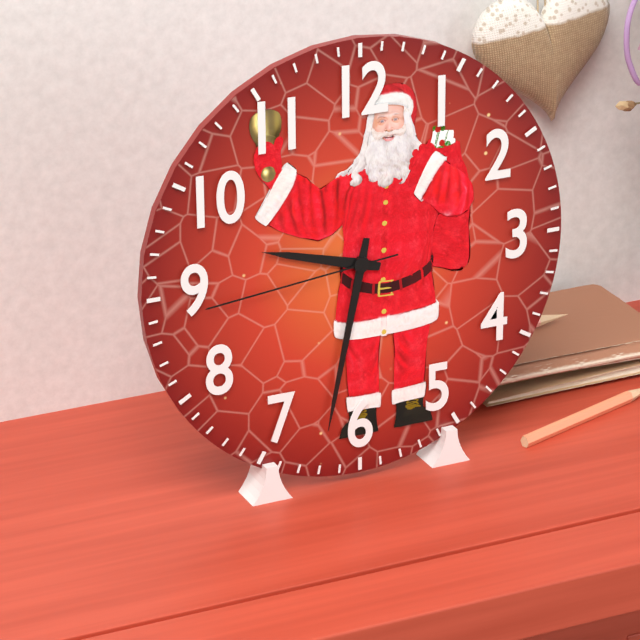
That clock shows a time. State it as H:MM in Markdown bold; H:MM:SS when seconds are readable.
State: **9:32:44**
